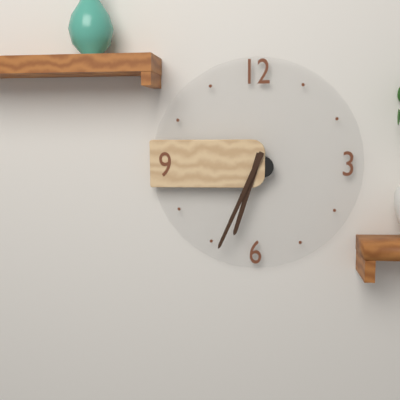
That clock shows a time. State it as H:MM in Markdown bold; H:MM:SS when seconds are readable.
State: **6:34**
